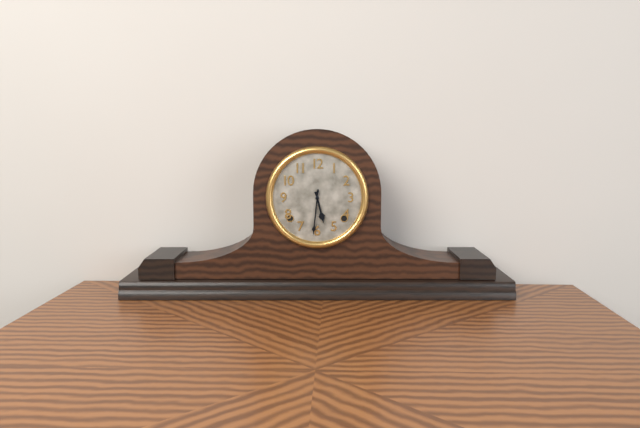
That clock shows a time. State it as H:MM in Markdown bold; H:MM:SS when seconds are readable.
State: **5:31**
